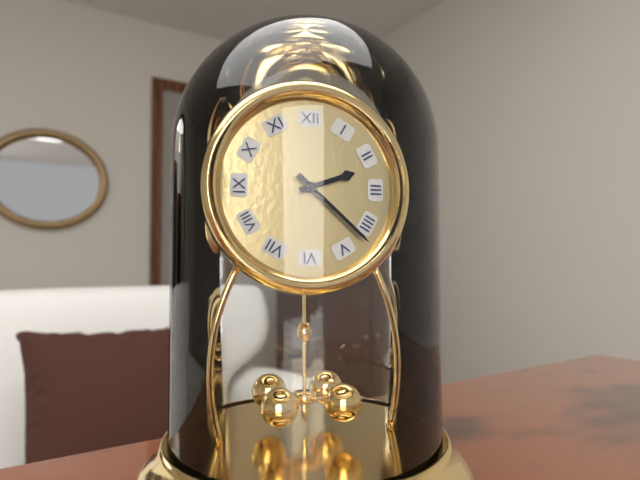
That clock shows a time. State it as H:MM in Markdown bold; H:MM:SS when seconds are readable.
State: **2:22**
